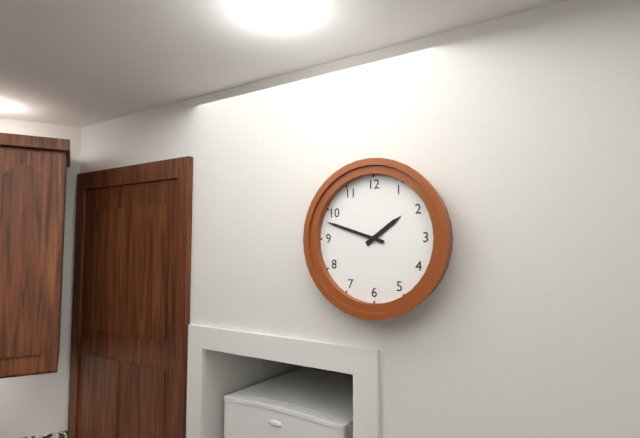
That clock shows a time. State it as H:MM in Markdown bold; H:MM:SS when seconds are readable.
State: **1:48**
